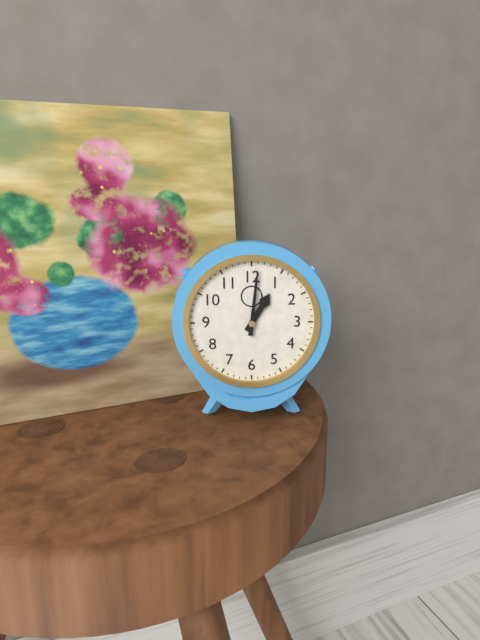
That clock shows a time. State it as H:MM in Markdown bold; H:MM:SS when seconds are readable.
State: **1:01**
